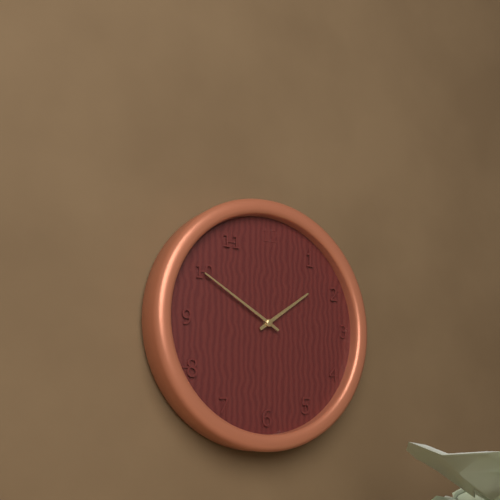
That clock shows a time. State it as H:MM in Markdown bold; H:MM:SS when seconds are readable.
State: **1:50**
